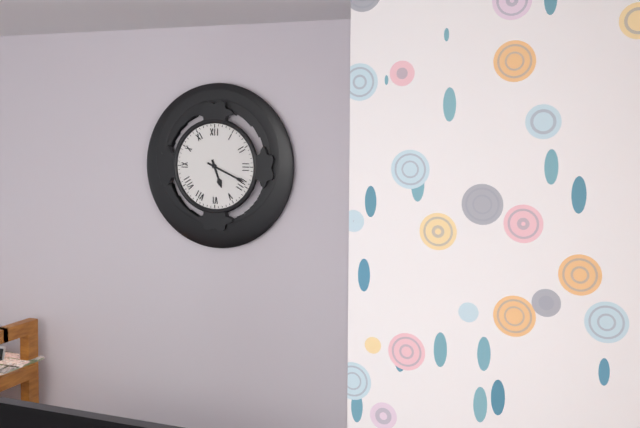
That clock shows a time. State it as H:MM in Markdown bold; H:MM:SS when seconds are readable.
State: **5:19**
